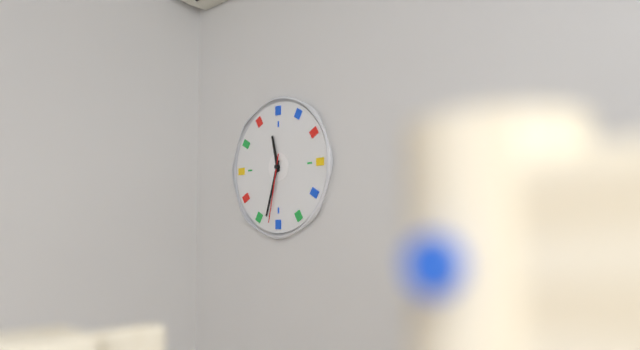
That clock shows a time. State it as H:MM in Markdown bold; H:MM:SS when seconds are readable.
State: **11:33:32**
